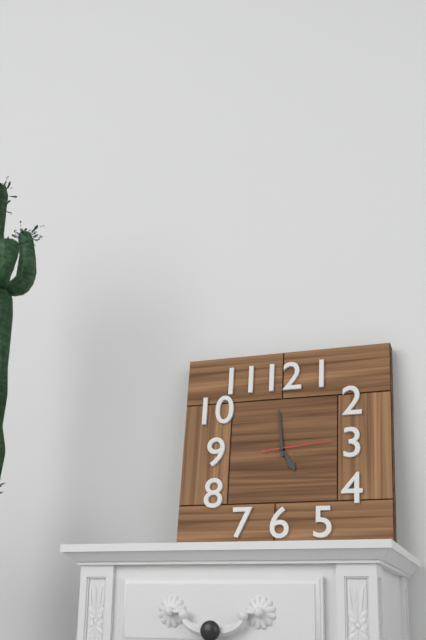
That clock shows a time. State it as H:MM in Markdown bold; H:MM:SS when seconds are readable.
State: **4:59:14**
